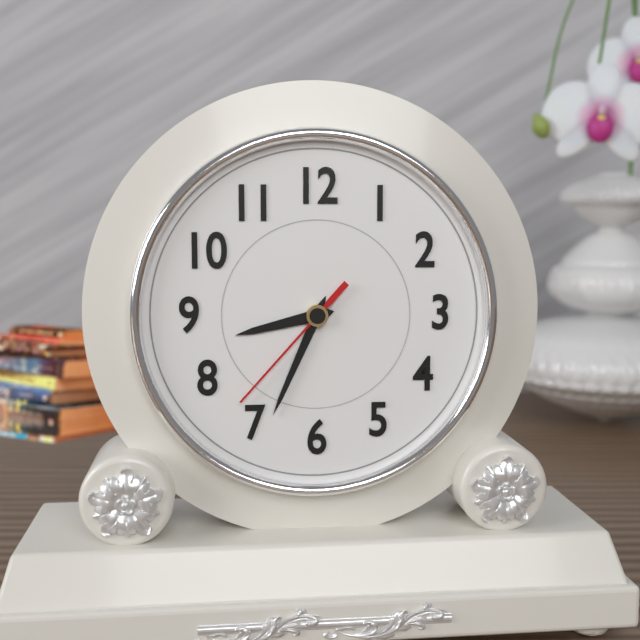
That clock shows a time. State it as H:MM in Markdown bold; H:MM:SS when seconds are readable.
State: **8:34:37**
